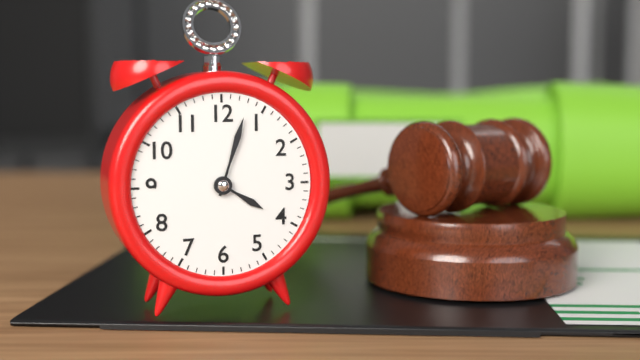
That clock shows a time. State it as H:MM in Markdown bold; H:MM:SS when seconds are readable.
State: **4:03**
